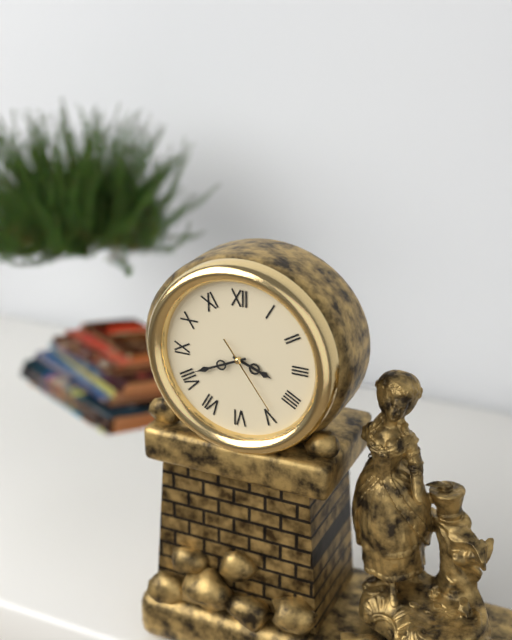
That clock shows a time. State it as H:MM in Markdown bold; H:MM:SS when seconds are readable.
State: **3:41:24**
